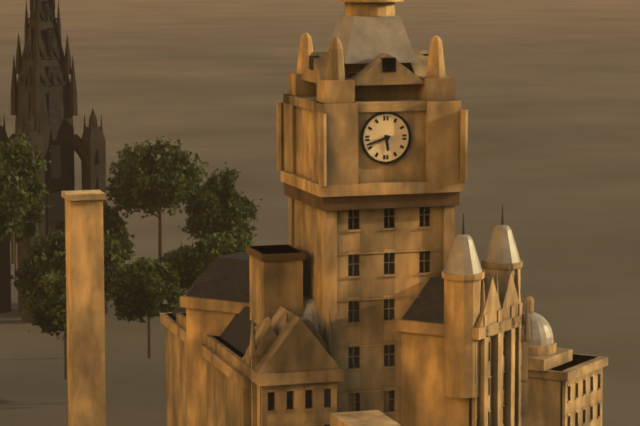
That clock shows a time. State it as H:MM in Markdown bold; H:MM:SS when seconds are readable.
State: **5:42**
